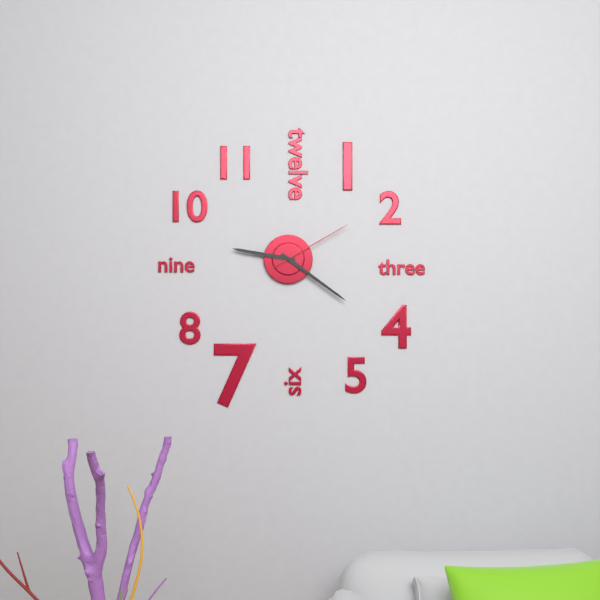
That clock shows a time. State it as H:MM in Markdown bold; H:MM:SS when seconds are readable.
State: **9:21:10**
